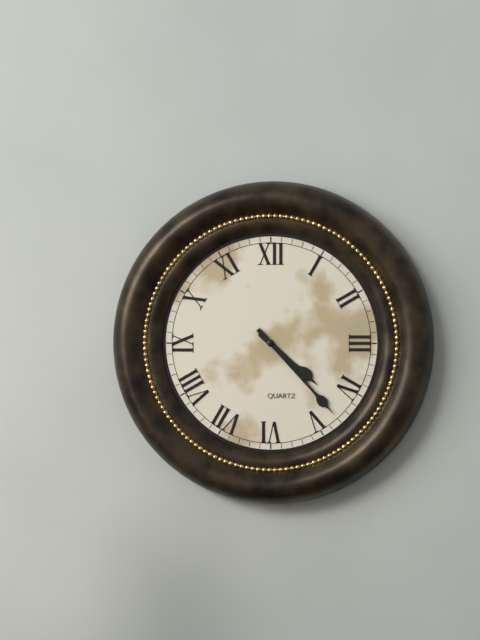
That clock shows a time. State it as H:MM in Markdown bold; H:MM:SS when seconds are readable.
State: **4:23**
